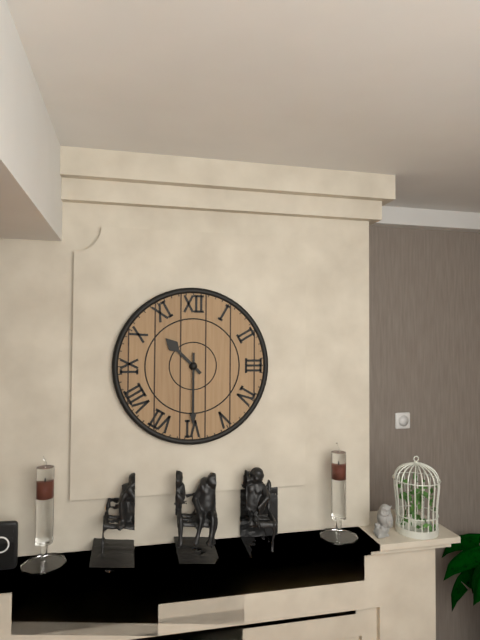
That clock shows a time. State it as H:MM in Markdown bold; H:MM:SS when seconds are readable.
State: **10:30**
